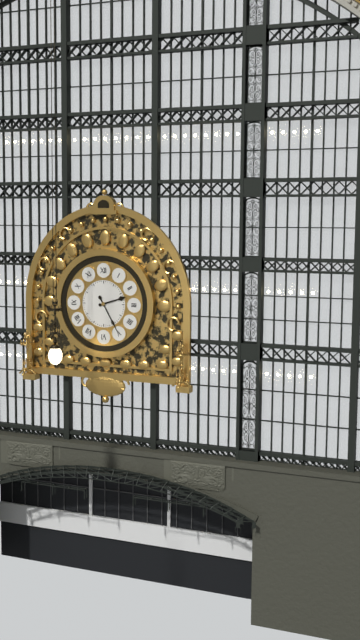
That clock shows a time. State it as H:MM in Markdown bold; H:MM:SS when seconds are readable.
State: **2:25**
